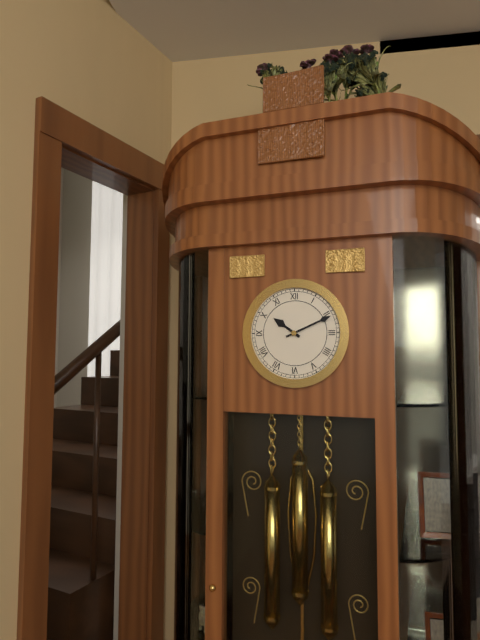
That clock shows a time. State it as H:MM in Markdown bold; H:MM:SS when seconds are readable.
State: **10:11**
